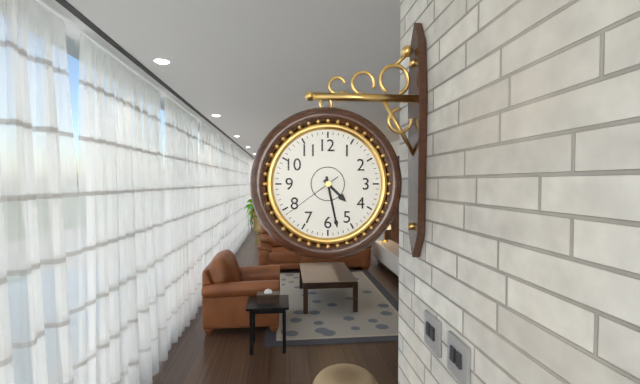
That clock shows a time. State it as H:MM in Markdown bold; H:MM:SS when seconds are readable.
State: **4:28:39**
